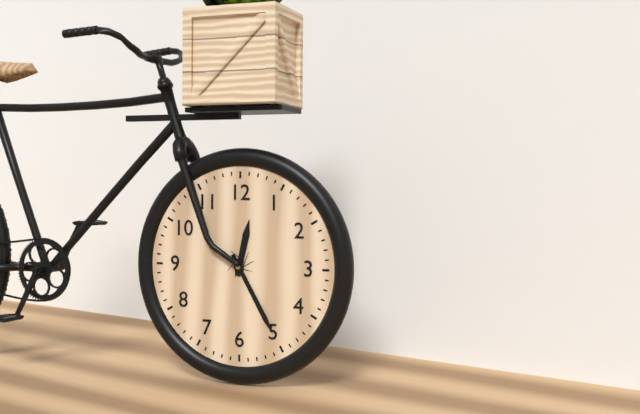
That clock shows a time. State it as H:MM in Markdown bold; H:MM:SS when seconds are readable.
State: **12:25**
